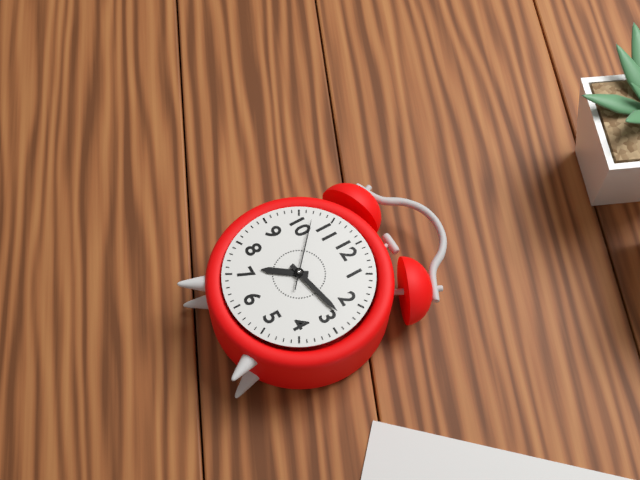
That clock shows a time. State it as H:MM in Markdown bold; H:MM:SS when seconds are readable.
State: **7:13:52**
